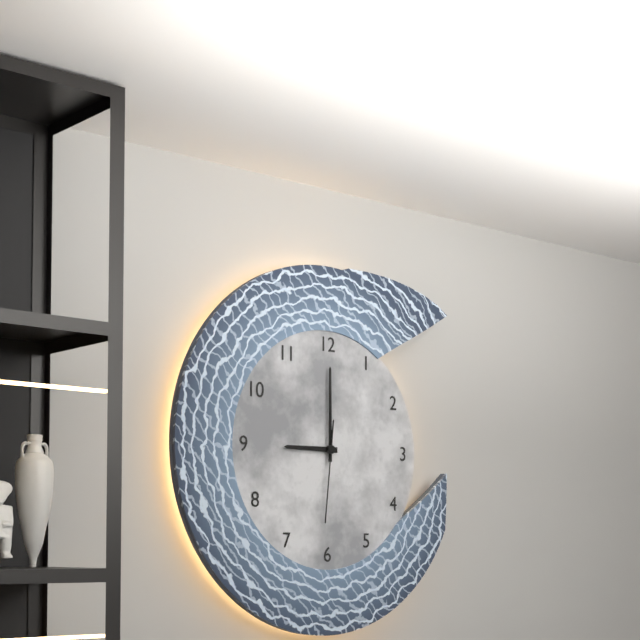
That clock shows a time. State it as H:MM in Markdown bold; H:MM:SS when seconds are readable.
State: **9:00:31**
